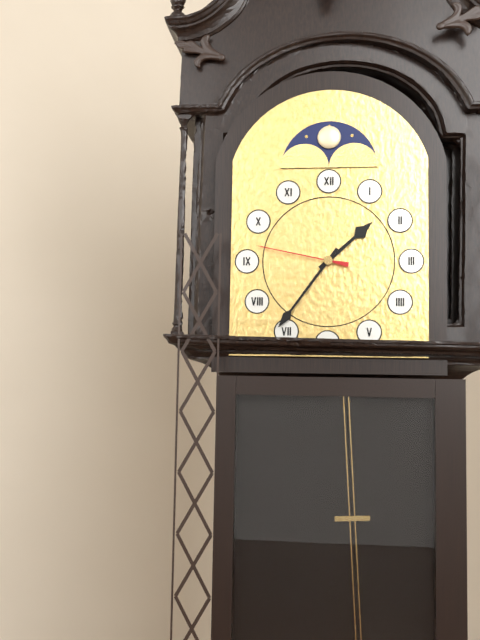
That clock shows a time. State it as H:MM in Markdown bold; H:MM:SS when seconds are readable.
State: **1:36:47**
